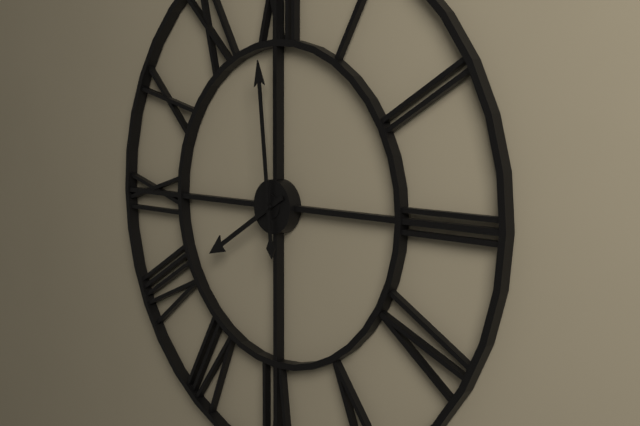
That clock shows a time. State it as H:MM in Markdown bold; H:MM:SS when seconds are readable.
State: **7:59**
